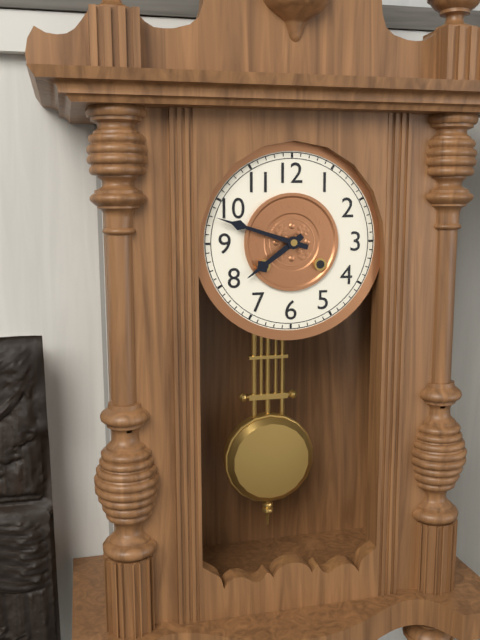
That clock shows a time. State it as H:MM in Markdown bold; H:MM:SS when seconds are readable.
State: **7:48**
